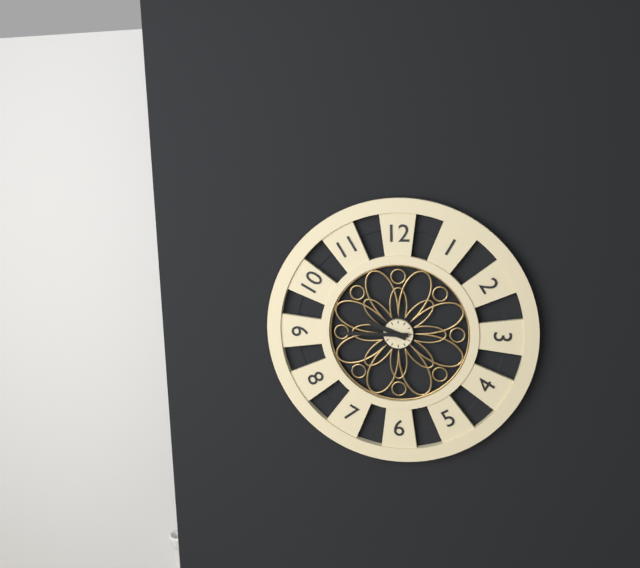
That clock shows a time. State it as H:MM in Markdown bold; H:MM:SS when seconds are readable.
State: **9:45**
